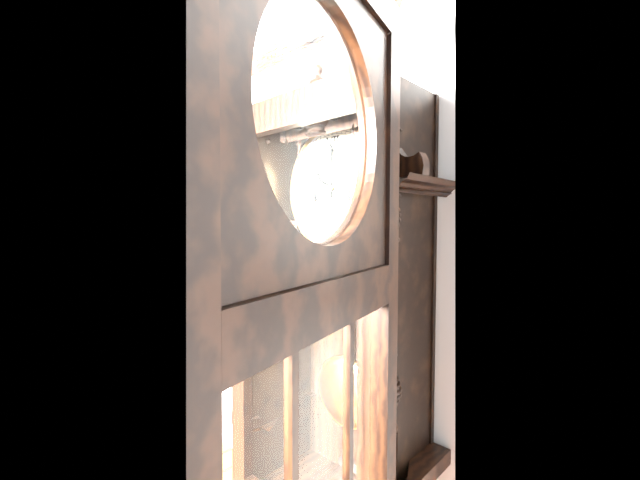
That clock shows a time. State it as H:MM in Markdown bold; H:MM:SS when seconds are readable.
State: **10:00**
